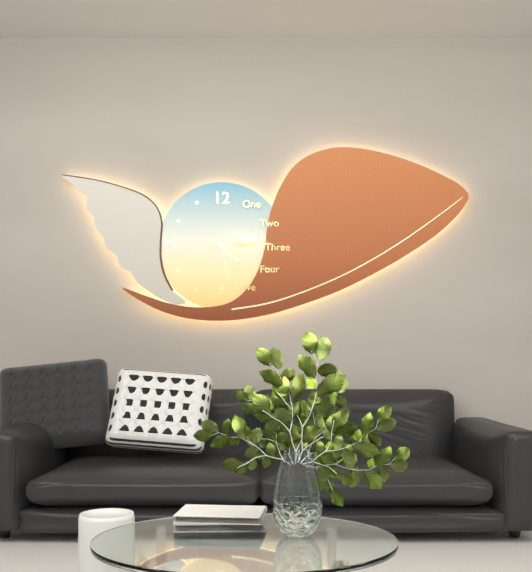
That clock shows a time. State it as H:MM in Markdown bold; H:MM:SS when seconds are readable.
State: **4:28**
